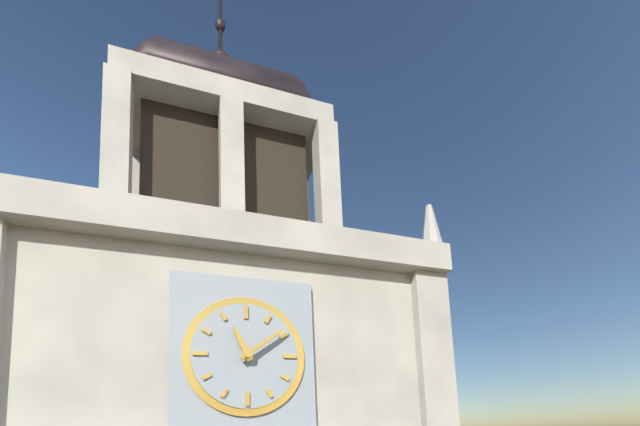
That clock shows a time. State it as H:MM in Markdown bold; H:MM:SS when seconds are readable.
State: **11:09**
